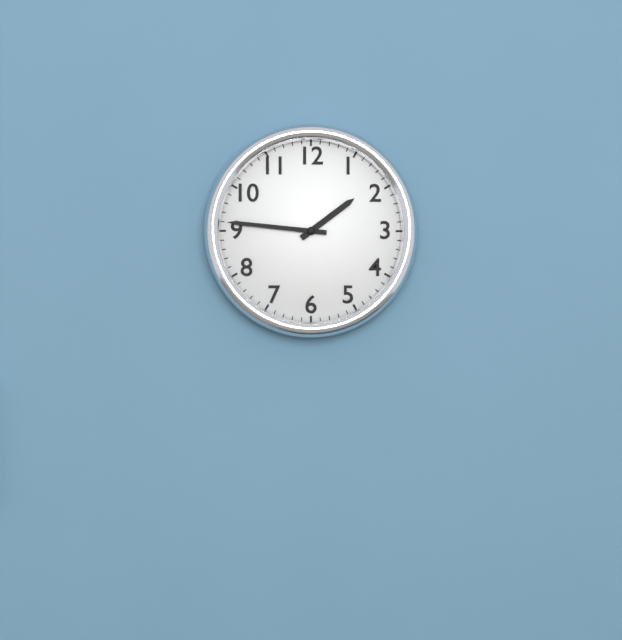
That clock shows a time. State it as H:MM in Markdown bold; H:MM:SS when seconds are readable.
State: **1:46**
